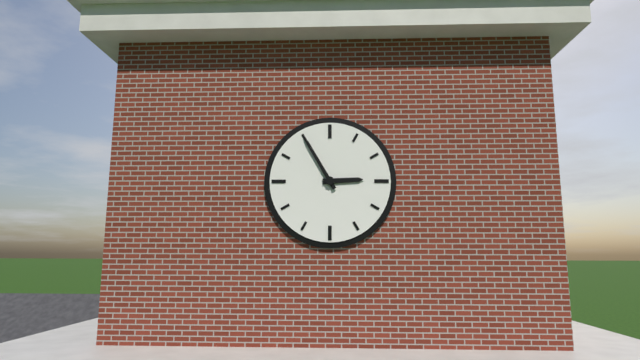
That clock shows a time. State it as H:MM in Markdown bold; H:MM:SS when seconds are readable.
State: **2:55**
